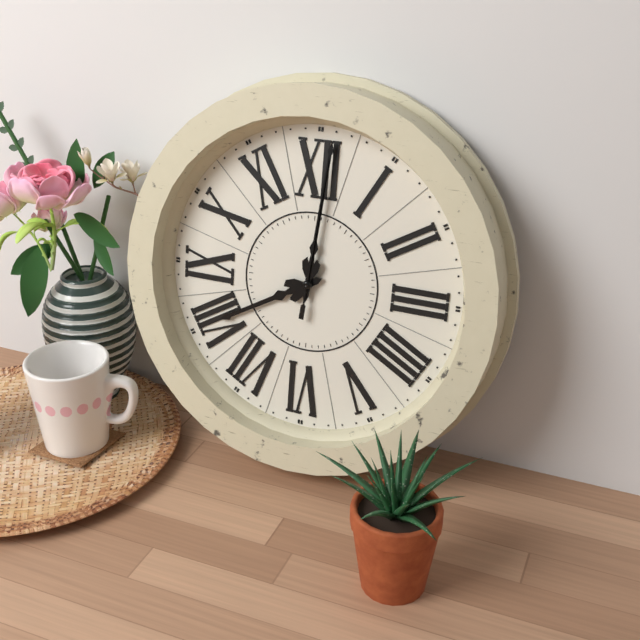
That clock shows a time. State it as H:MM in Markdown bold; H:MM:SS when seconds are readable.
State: **8:01:01**
